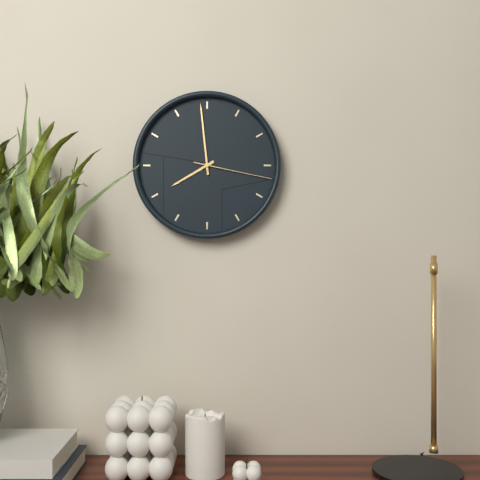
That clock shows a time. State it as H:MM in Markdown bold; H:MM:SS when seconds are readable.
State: **7:59:17**
